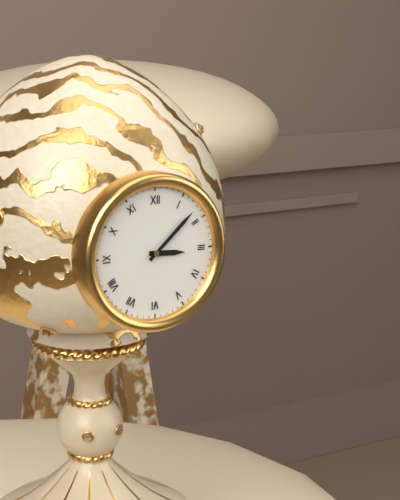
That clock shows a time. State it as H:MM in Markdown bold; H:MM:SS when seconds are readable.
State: **3:08**
